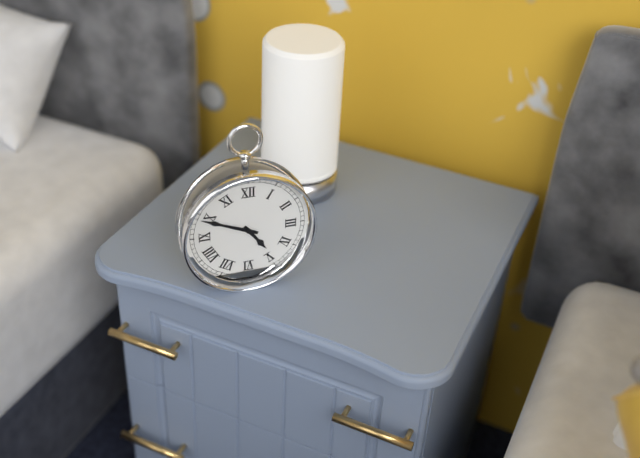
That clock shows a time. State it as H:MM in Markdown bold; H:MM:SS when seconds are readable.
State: **4:49**
